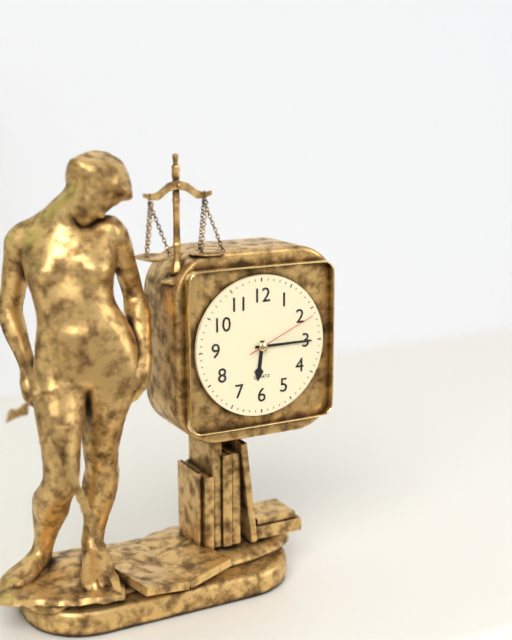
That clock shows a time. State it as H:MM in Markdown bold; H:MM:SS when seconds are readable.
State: **6:15:11**
